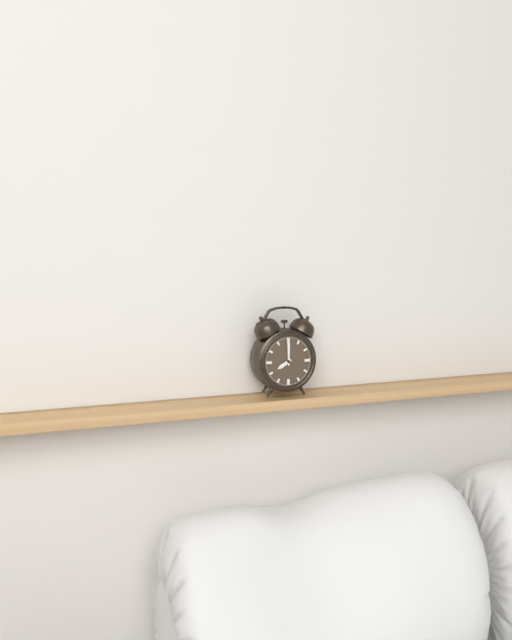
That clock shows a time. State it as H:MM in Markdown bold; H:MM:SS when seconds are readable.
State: **8:00**
